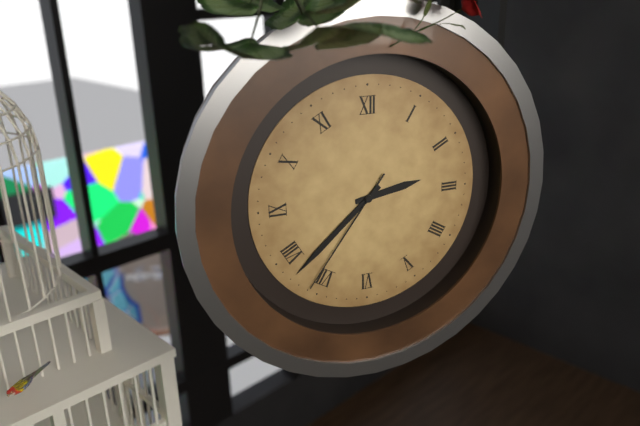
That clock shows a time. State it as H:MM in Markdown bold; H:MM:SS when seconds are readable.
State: **2:38:36**
